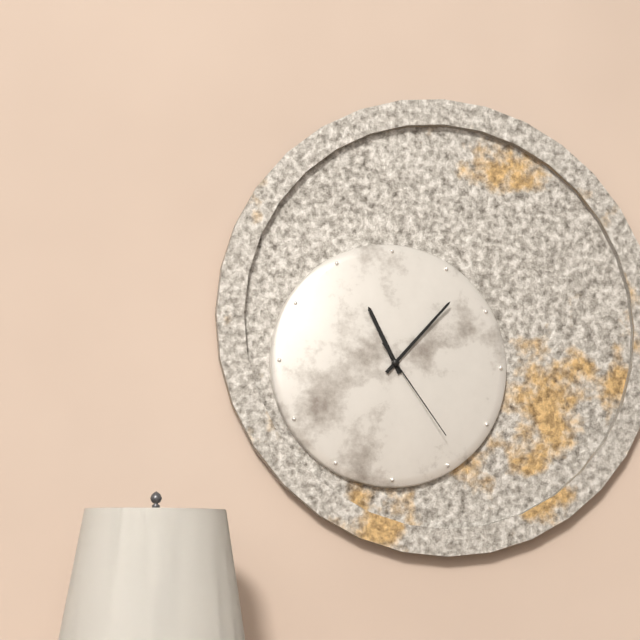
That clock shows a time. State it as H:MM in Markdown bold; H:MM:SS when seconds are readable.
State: **11:07:24**
